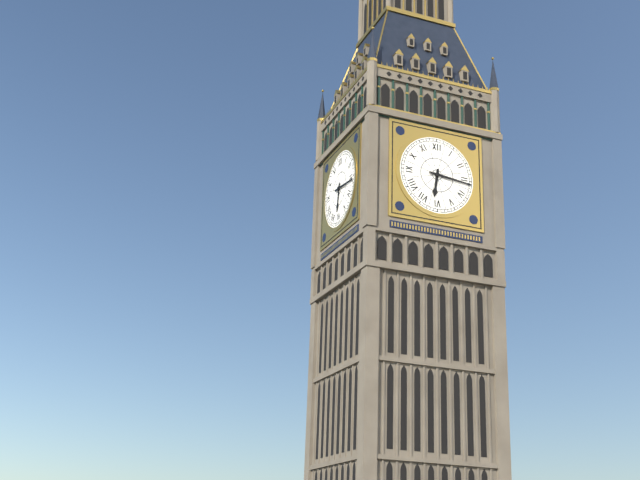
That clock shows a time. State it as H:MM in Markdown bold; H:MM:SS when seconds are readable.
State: **6:16**
